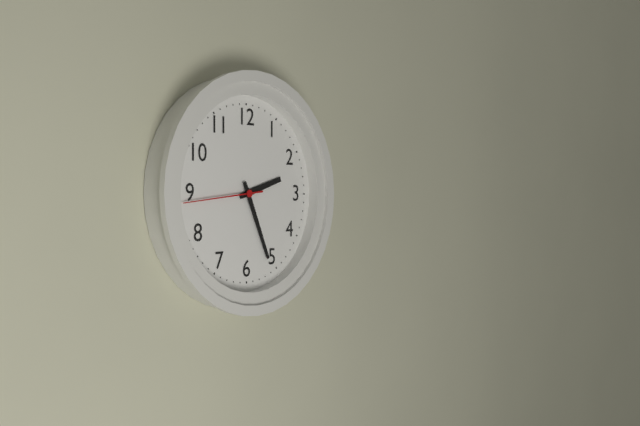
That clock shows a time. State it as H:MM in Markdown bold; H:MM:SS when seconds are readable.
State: **2:26:44**
